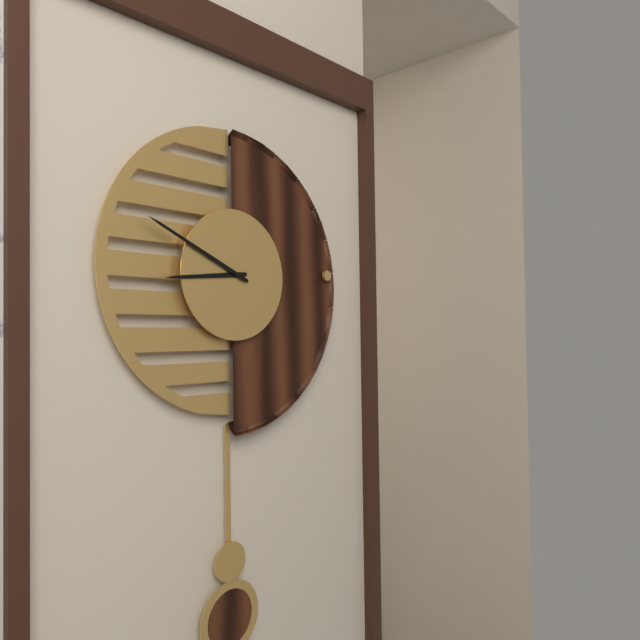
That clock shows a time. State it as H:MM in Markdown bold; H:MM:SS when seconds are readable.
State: **8:49**
